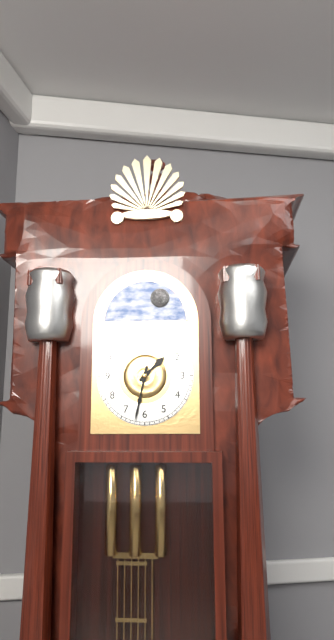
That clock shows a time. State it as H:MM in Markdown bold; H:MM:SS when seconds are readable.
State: **1:32**
